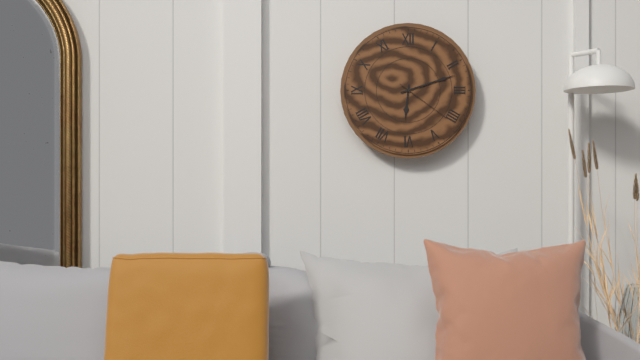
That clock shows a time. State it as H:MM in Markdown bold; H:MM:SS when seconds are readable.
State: **6:12:21**
